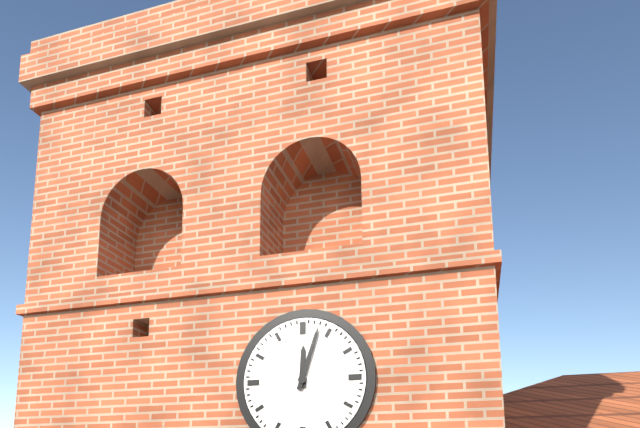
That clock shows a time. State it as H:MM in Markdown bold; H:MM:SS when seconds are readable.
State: **12:03**
